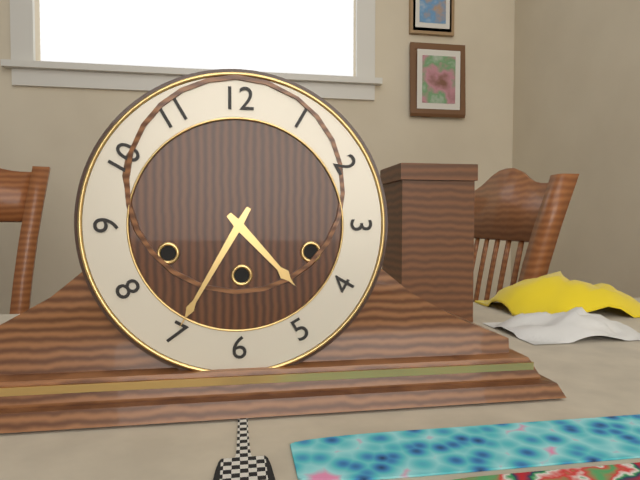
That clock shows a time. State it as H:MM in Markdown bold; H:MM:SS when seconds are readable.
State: **4:35**
